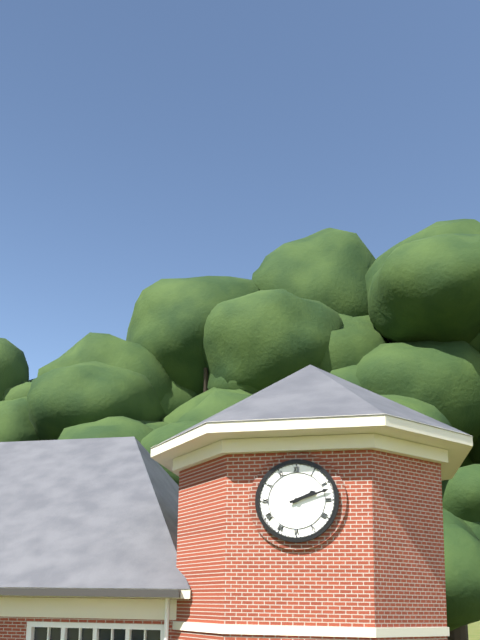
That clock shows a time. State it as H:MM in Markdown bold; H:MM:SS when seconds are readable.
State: **2:12**
